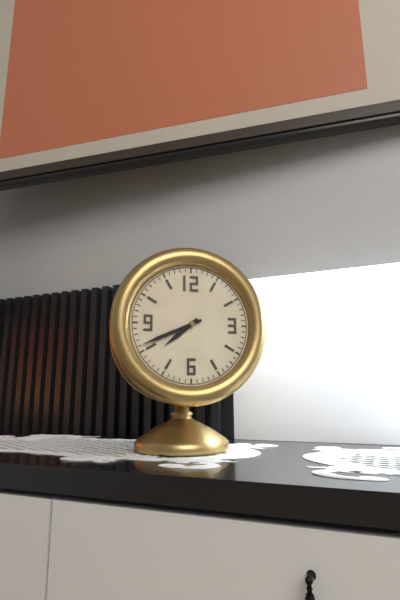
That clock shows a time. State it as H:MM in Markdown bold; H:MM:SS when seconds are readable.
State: **7:41**
